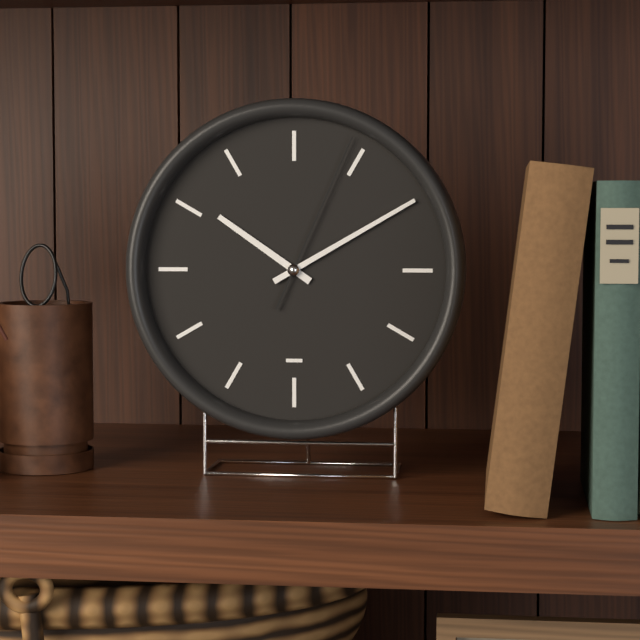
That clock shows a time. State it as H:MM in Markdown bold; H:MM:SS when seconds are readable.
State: **10:10:04**
